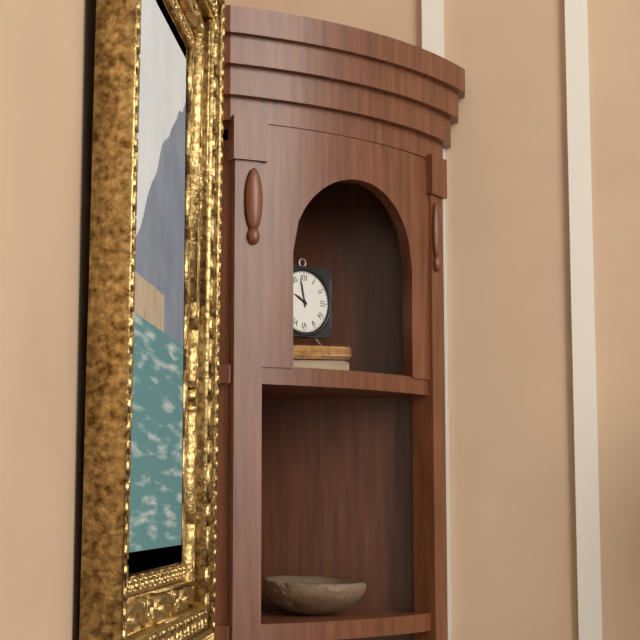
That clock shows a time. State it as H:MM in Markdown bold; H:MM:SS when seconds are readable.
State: **9:58**
